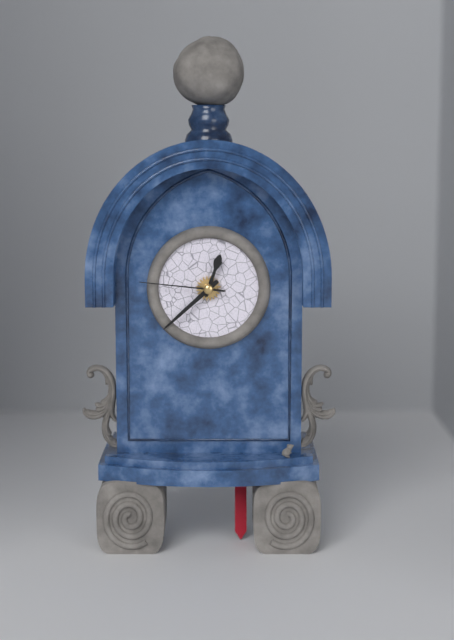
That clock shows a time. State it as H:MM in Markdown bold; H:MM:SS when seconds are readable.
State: **12:38:46**
